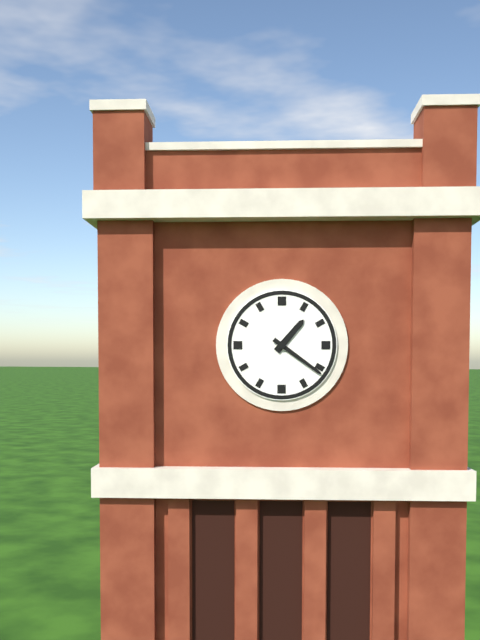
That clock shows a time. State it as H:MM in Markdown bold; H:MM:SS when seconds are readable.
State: **1:21**
